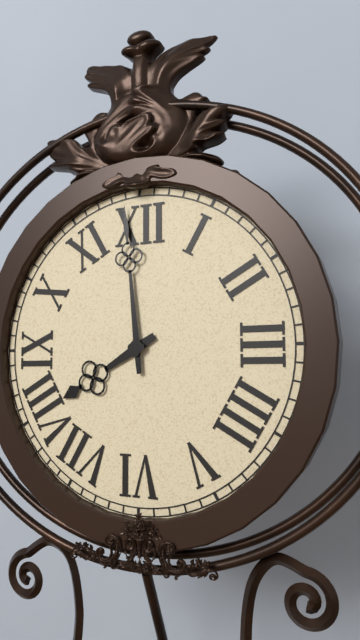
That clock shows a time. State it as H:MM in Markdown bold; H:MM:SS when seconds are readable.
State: **7:59**
